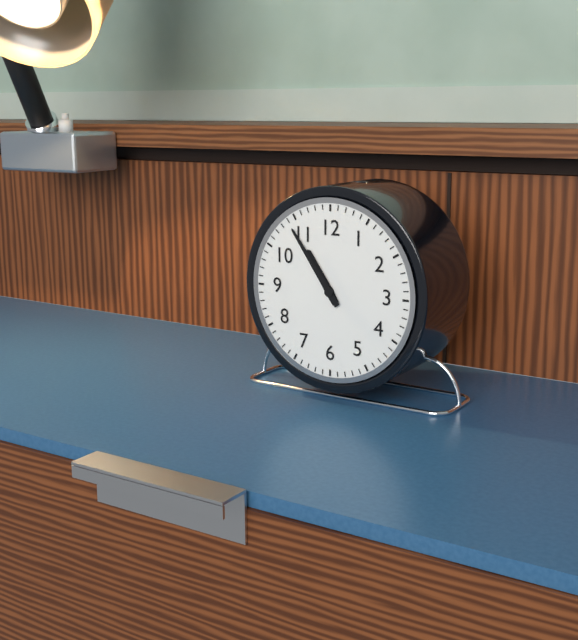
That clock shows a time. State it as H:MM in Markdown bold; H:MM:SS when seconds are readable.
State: **10:54**
